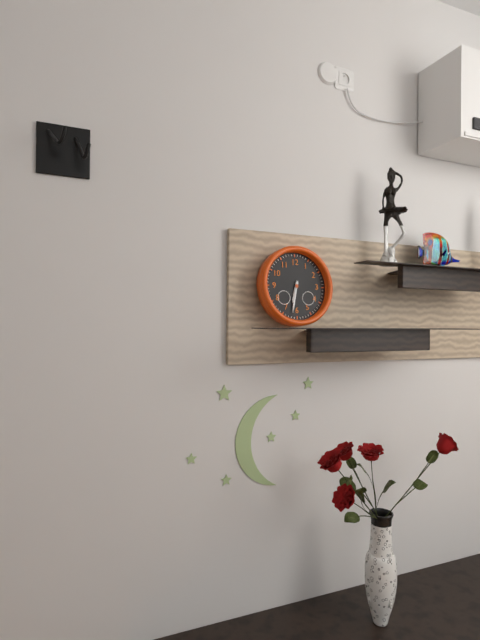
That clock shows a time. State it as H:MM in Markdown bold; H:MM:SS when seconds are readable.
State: **6:32**
